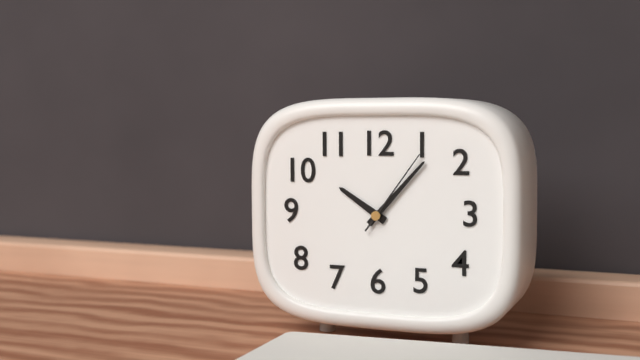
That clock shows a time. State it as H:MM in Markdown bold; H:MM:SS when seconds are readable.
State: **10:07:06**
